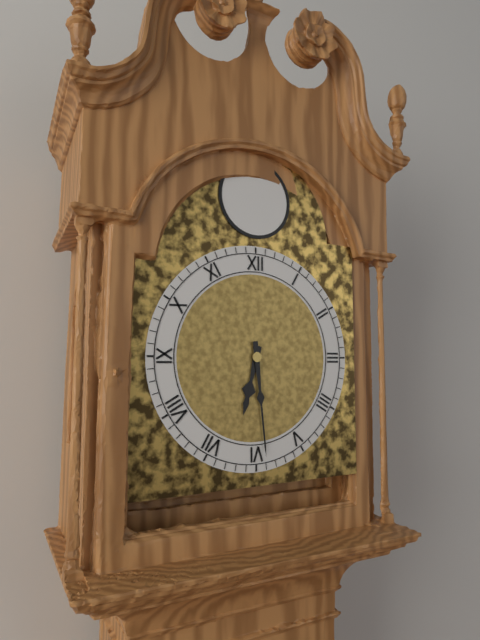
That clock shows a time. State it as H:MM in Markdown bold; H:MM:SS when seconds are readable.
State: **6:29**
